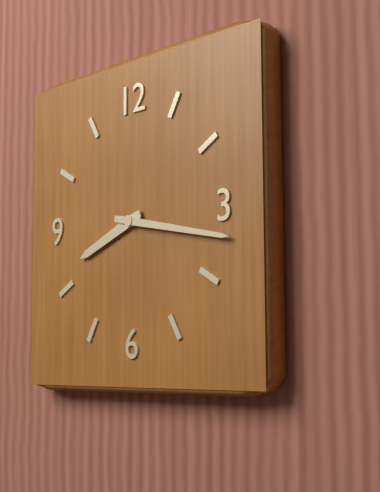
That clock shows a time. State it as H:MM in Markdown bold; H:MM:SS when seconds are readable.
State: **8:17**
